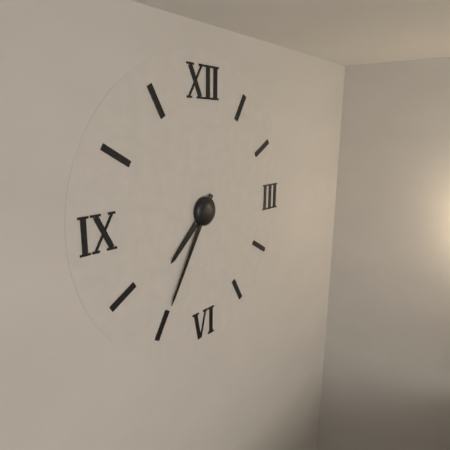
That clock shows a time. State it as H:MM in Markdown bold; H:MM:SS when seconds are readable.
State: **7:35**
